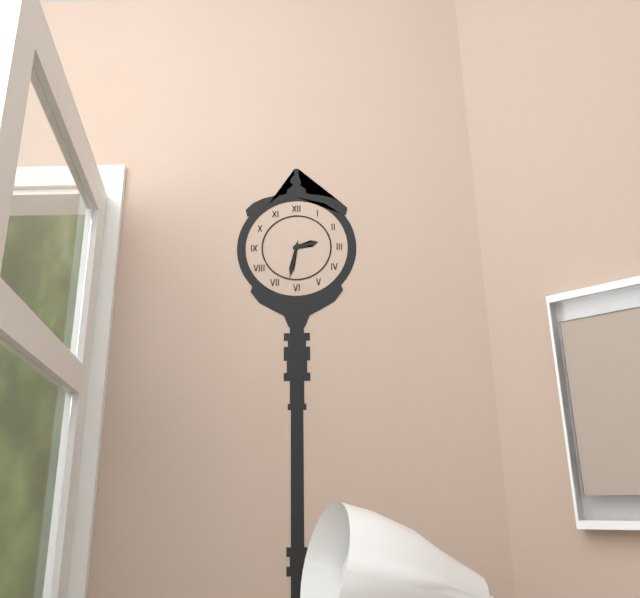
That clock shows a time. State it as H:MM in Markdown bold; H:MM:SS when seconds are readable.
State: **2:32**
